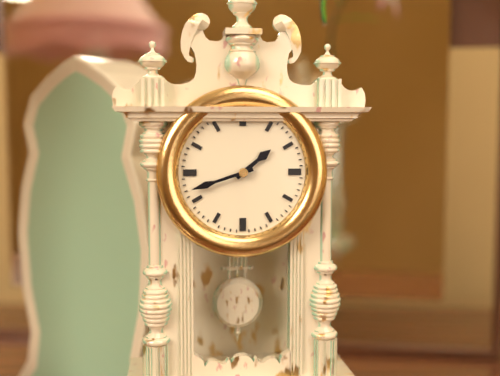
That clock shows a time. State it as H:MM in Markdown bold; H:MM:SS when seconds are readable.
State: **1:42**
